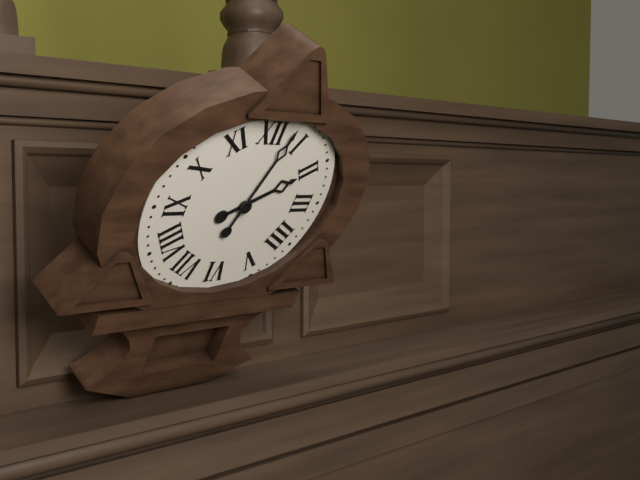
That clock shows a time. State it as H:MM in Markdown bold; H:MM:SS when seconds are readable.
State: **2:03**
